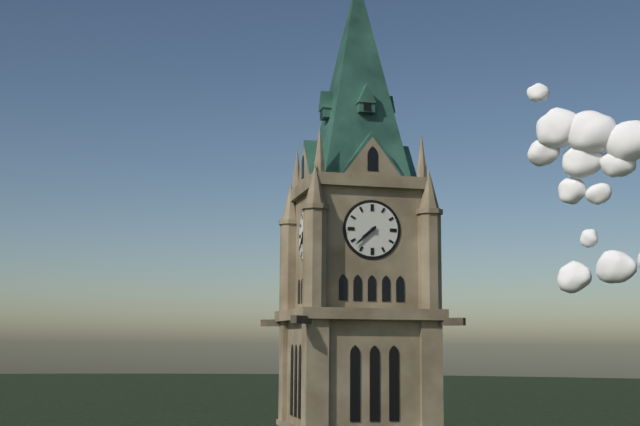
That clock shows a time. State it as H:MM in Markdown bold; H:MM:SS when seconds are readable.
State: **7:38**
